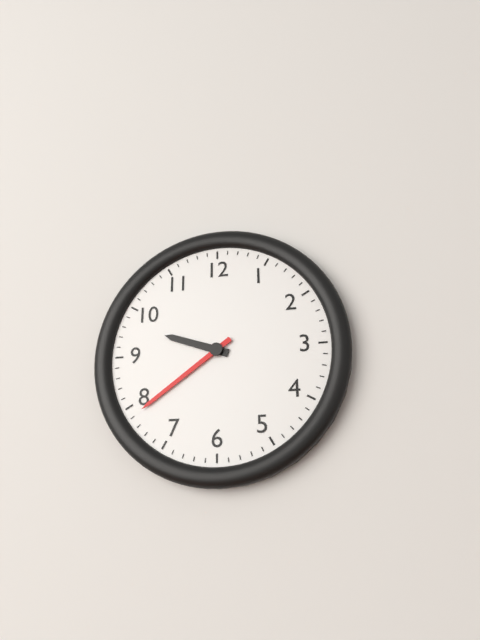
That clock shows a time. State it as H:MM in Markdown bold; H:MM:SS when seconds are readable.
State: **9:39**
